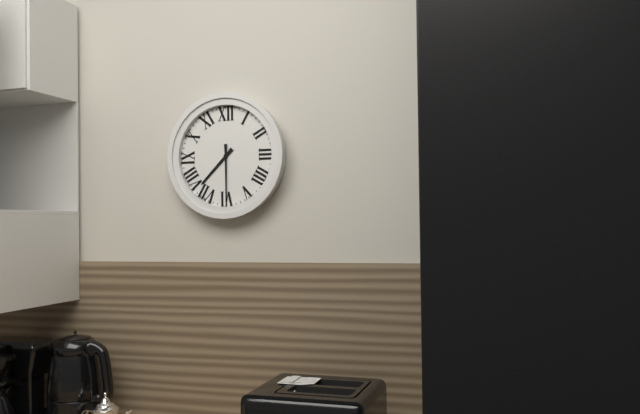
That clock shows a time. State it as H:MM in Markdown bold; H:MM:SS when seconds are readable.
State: **7:30**
